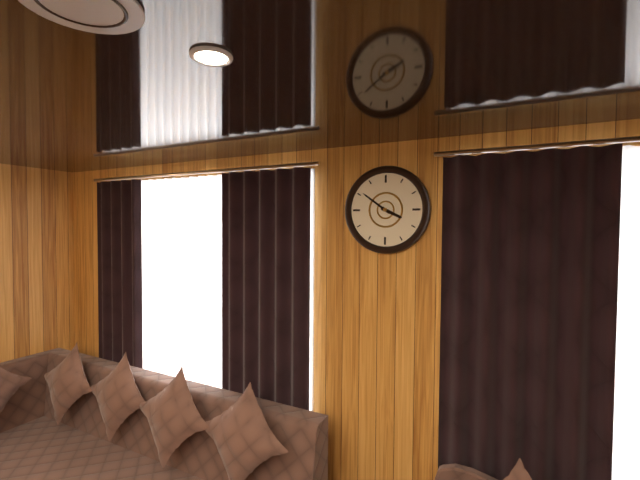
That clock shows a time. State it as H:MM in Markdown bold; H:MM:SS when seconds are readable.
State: **3:51**
